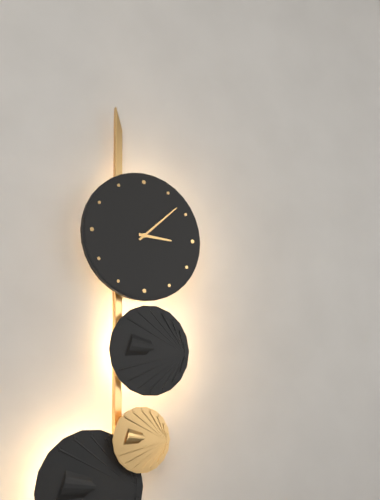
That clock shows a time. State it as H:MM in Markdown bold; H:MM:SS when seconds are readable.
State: **3:08**
